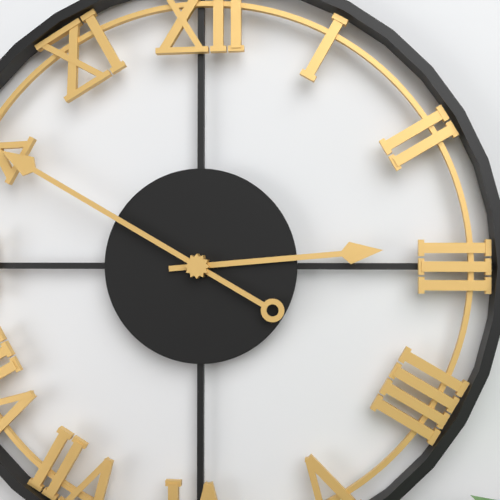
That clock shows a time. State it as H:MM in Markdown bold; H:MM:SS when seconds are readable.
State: **2:50**
